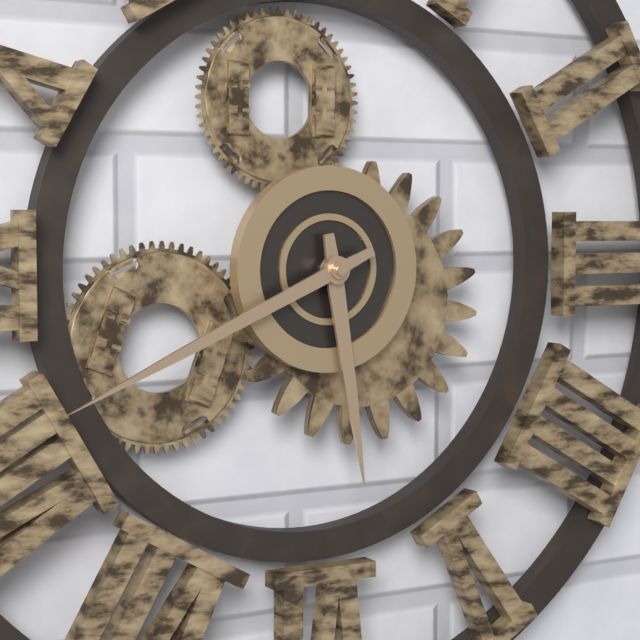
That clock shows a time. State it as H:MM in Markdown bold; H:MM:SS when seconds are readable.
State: **5:41**
